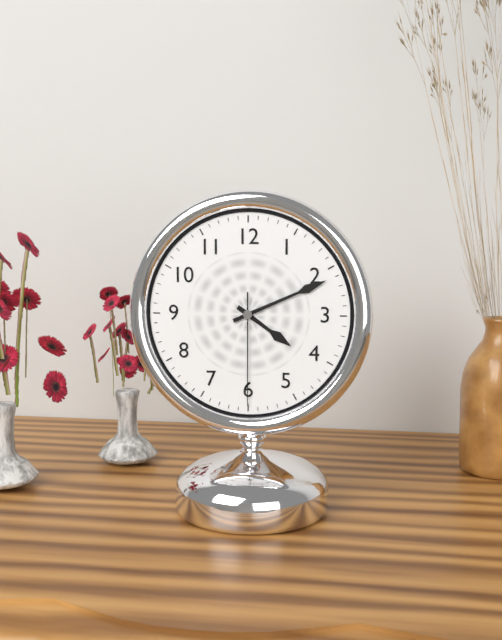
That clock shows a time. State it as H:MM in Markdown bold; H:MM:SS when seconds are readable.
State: **4:11:30**
